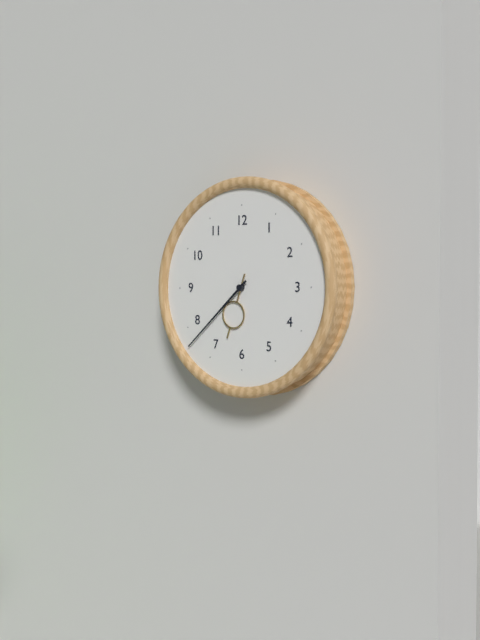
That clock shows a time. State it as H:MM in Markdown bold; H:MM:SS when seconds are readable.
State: **6:38**
